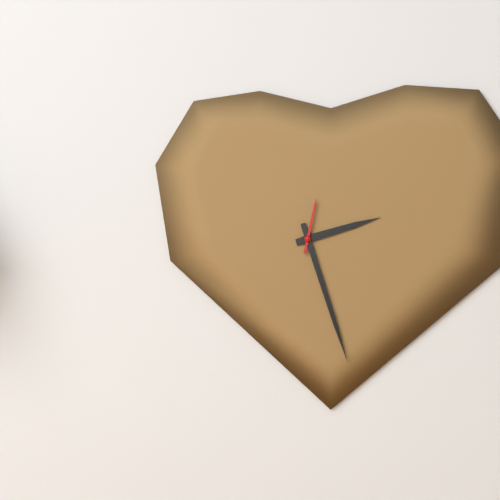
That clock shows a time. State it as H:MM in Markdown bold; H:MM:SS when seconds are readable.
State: **2:27:02**
